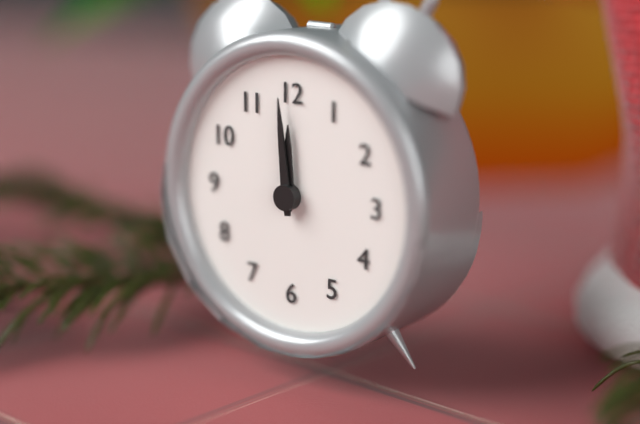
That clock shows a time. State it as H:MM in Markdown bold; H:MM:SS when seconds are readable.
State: **11:59**
